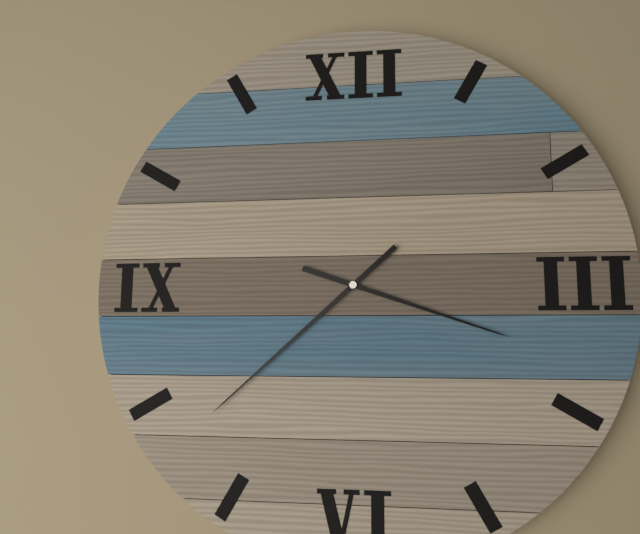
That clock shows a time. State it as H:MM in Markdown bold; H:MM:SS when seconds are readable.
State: **3:38**
